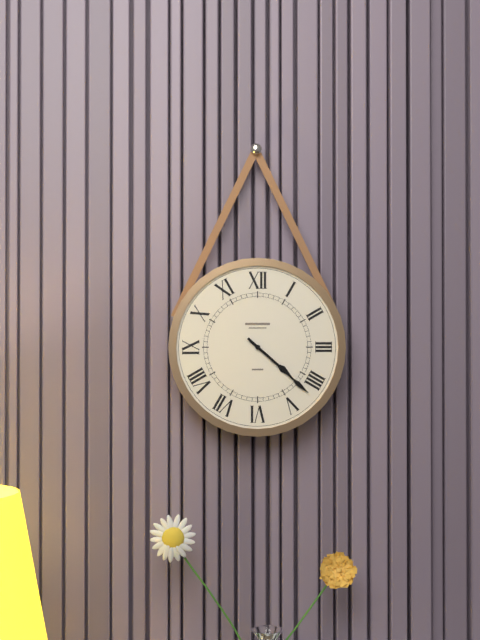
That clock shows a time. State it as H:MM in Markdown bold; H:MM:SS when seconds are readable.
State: **4:22**
